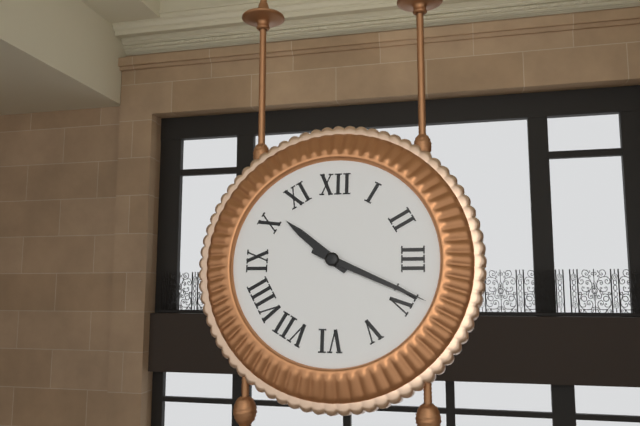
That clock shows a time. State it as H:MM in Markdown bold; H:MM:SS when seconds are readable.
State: **10:19**
